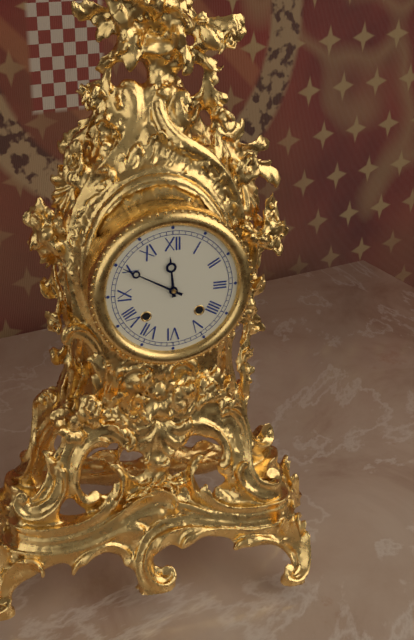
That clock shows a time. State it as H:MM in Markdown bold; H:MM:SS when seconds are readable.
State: **11:50**
